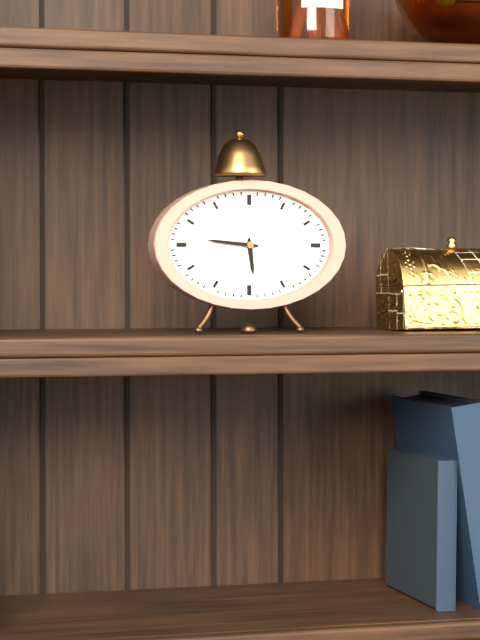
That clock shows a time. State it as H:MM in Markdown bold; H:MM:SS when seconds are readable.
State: **5:46**
